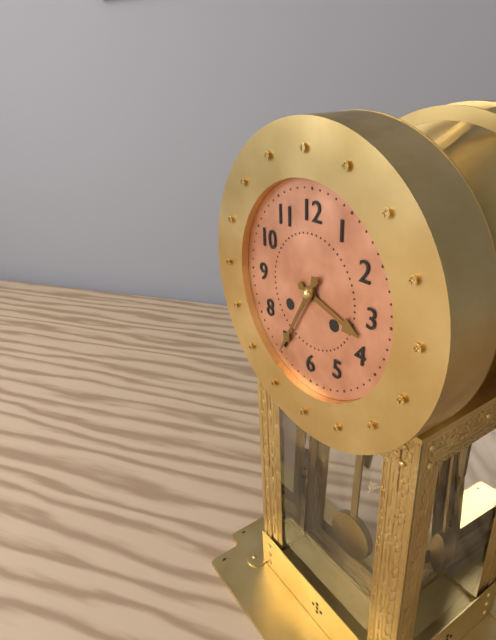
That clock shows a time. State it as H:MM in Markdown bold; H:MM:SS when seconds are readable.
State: **3:35**
